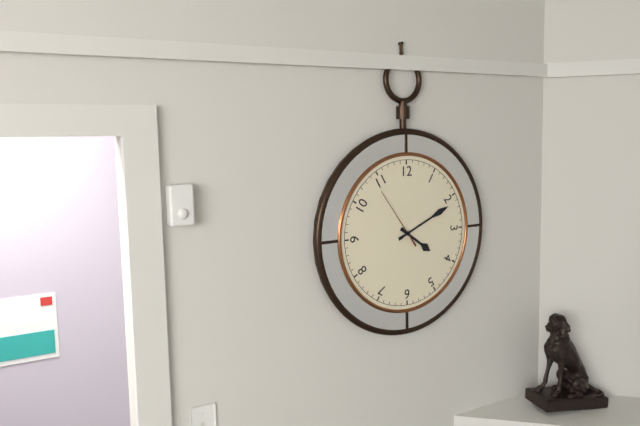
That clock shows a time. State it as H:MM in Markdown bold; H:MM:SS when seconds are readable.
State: **4:11:54**
